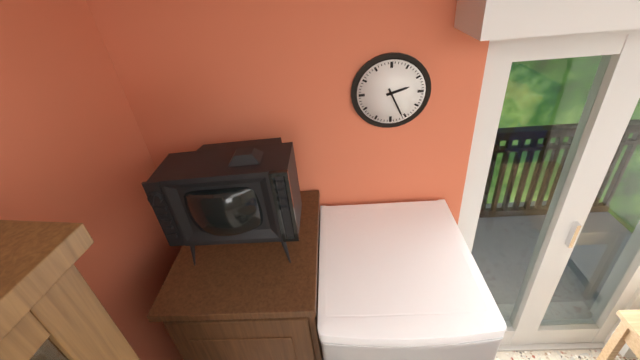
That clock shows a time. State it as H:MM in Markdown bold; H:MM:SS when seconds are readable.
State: **2:26**
